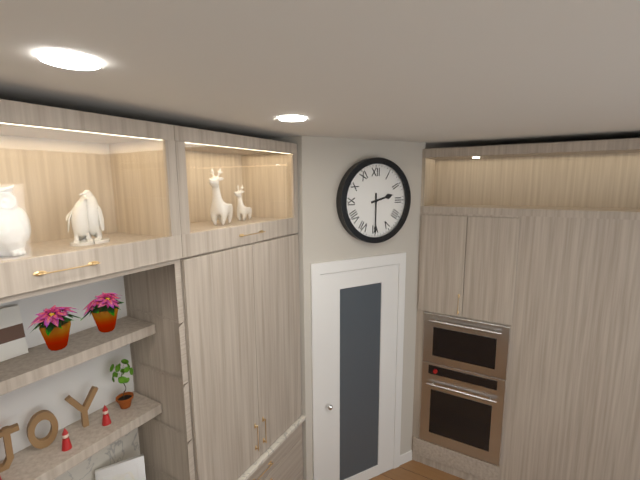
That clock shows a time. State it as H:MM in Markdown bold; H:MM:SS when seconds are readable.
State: **2:30**
